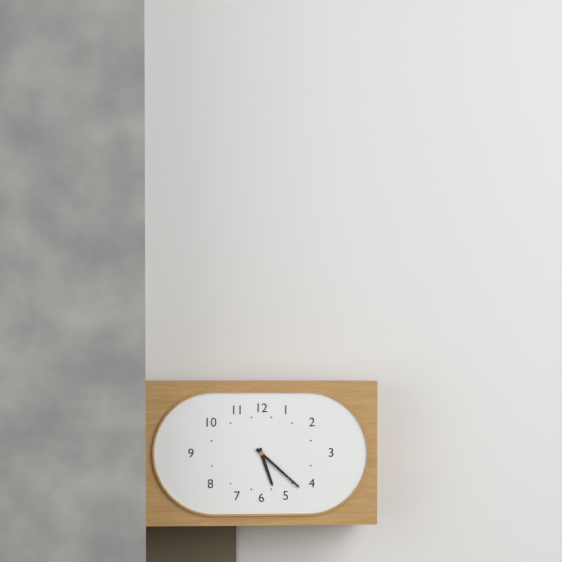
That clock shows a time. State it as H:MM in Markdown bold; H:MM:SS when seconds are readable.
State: **5:22**
